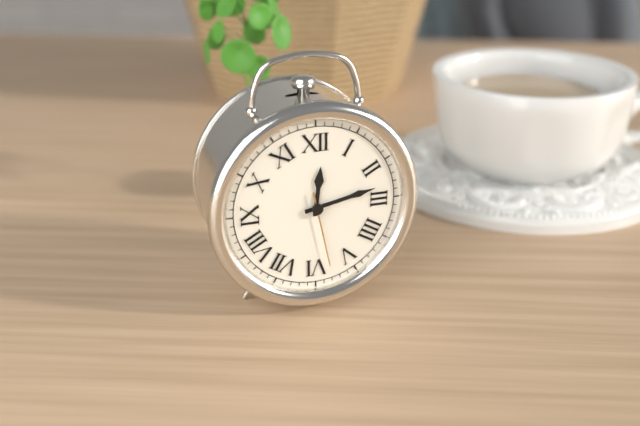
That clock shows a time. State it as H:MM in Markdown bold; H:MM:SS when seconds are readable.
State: **12:13:28**
